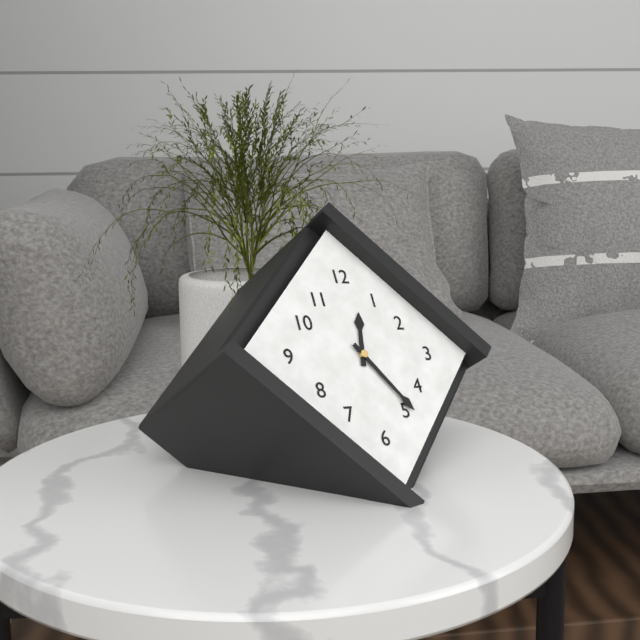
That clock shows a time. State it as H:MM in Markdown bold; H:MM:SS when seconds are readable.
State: **12:24**
